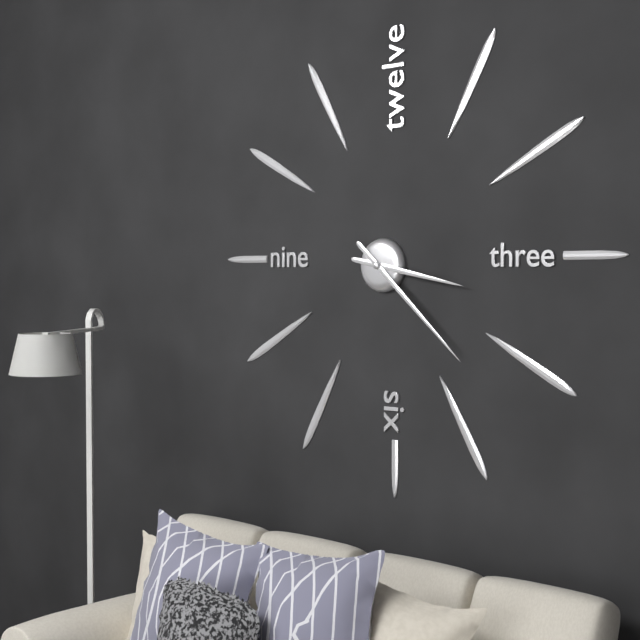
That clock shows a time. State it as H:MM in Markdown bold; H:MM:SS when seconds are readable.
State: **3:22**
